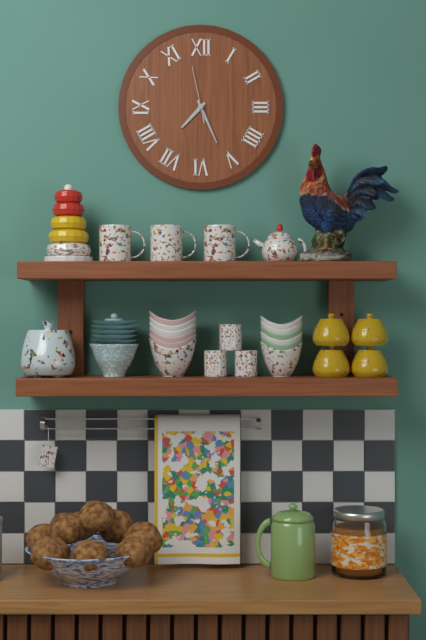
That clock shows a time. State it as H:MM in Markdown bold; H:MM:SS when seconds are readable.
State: **7:26:58**
